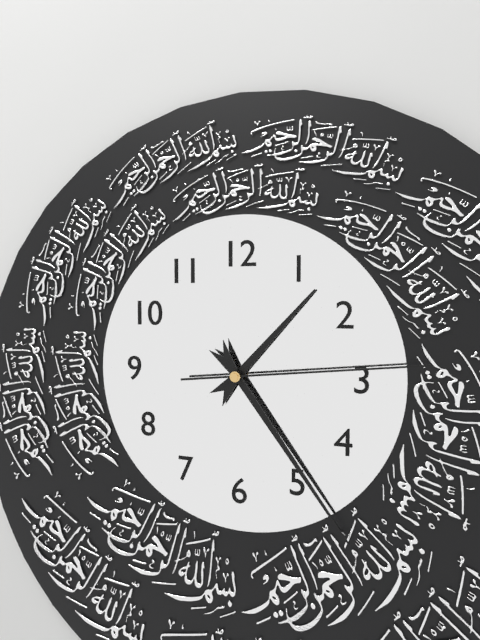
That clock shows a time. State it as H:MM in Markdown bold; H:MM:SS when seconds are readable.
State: **1:24:14**
